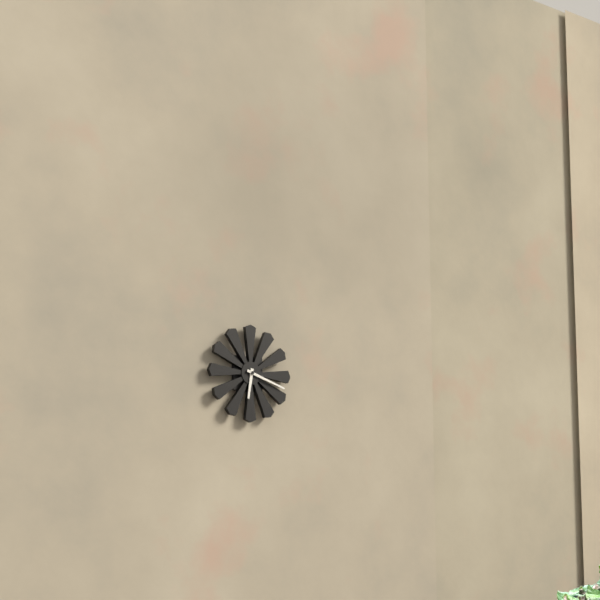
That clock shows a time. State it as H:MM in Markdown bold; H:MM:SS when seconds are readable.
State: **6:18**
